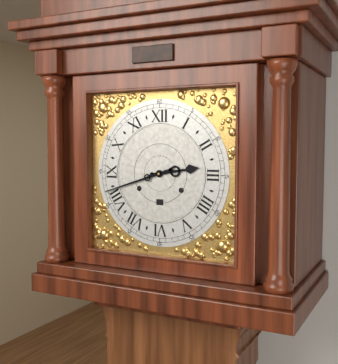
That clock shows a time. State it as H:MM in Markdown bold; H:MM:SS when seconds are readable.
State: **2:42**
